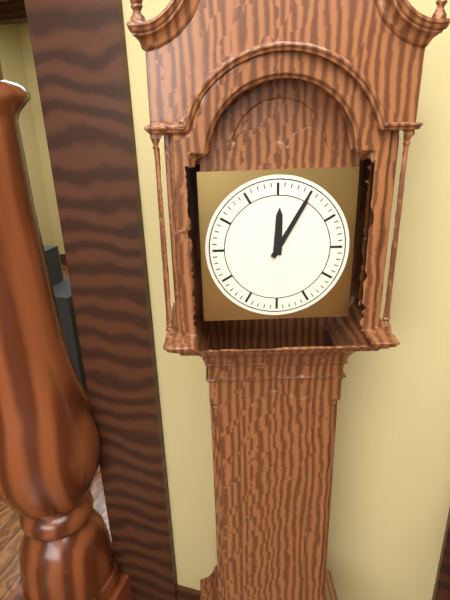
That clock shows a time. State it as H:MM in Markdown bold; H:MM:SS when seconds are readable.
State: **12:05**
